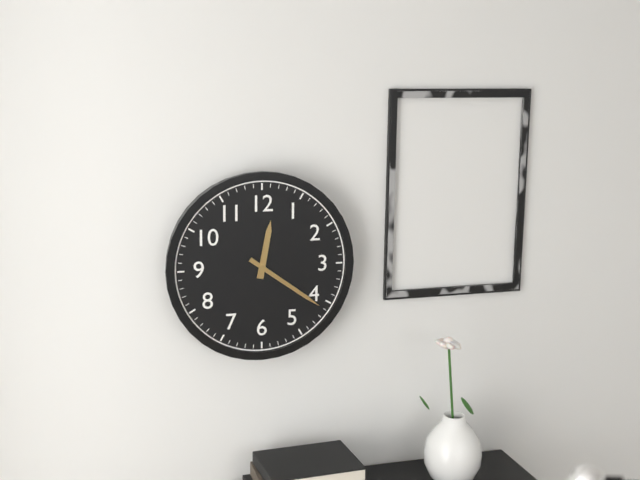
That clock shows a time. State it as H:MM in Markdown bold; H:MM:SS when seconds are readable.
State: **12:21**
